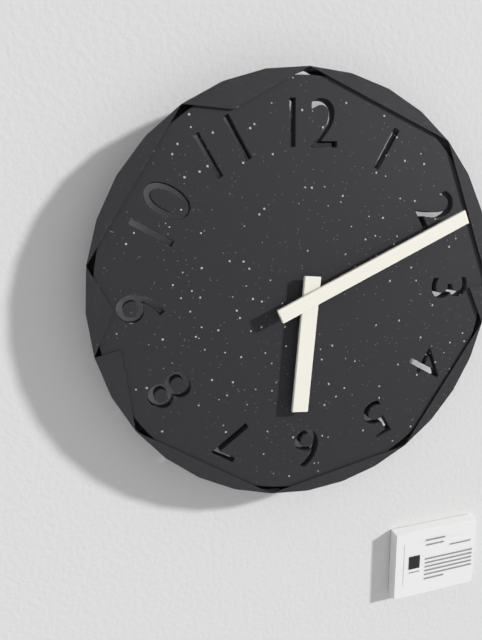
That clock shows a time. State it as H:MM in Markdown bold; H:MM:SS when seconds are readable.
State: **6:11**
